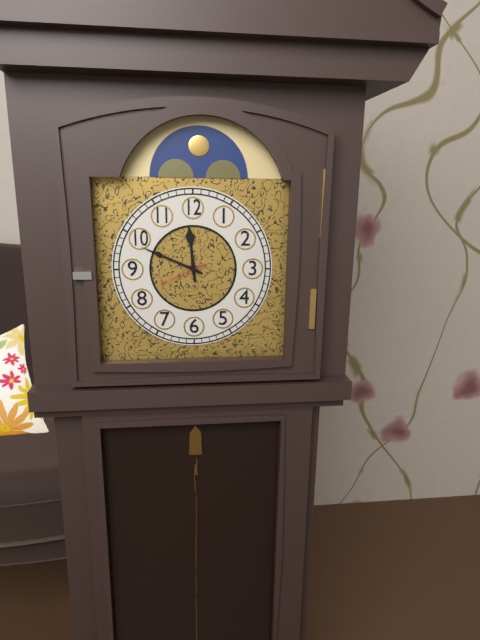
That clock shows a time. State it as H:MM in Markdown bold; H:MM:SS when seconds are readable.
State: **11:49**
